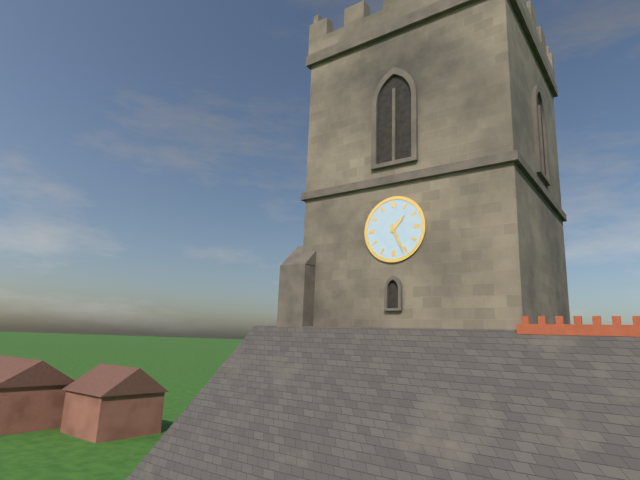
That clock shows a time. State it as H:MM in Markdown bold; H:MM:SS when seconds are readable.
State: **1:26**
